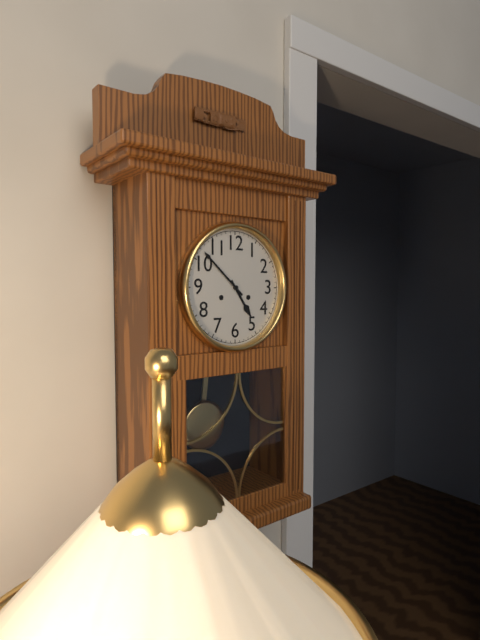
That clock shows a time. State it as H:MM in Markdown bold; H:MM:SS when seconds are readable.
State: **4:52**
